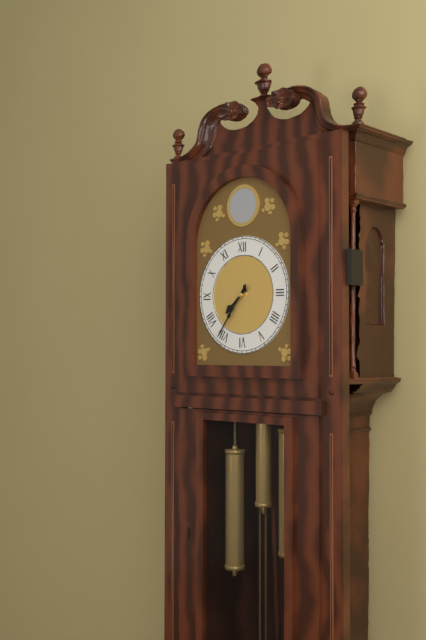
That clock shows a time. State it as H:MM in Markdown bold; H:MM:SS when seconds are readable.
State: **7:36**
